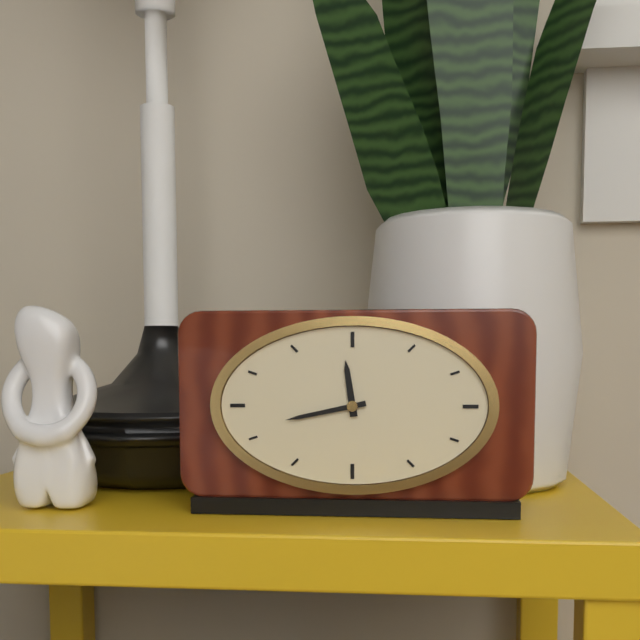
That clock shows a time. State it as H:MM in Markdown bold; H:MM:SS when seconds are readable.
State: **11:43**
